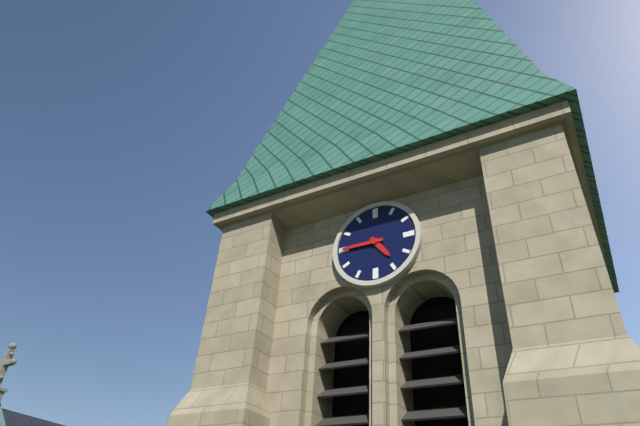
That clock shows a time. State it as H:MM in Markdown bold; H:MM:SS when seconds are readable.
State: **4:45**
